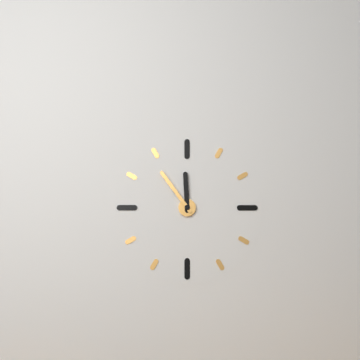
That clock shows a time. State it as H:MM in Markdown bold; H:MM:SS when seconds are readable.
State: **11:54**
